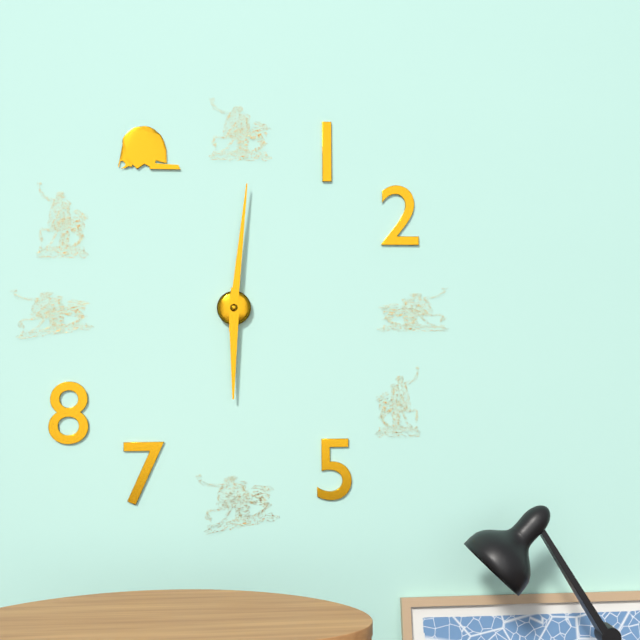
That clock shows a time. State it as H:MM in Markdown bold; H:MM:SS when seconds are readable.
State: **6:01**
